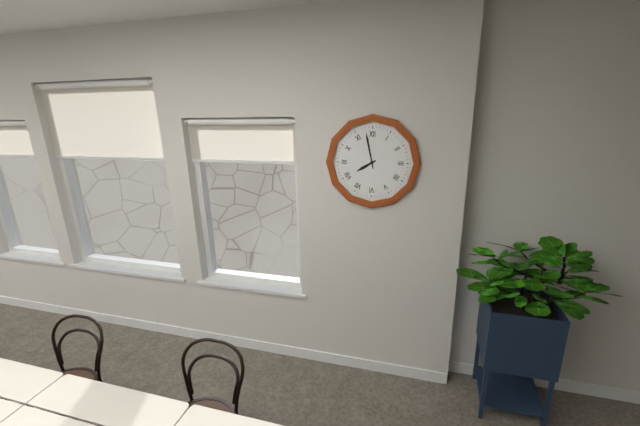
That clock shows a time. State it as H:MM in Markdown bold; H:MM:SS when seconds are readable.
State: **7:58**
